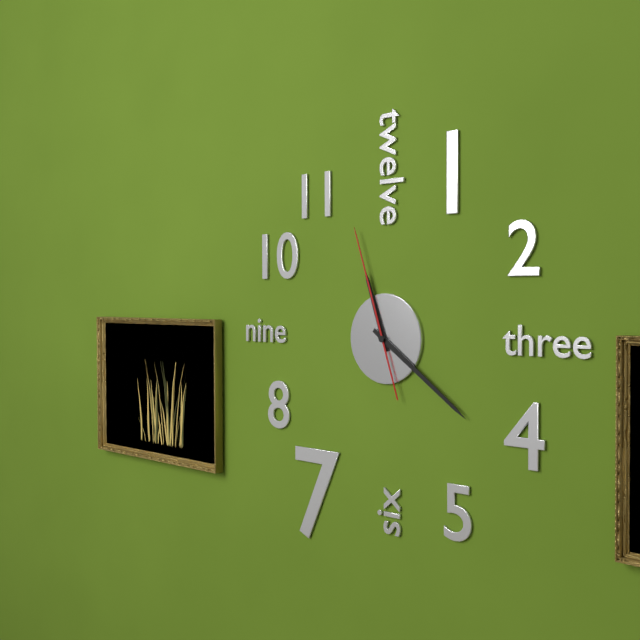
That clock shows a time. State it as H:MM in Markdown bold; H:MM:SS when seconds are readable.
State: **11:21:57**
